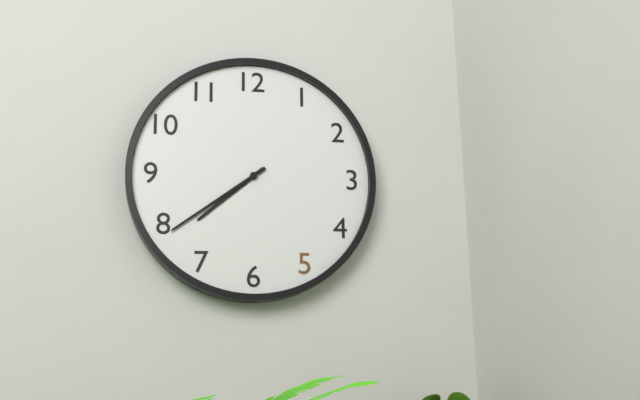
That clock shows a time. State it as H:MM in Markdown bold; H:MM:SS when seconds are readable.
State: **7:39**
